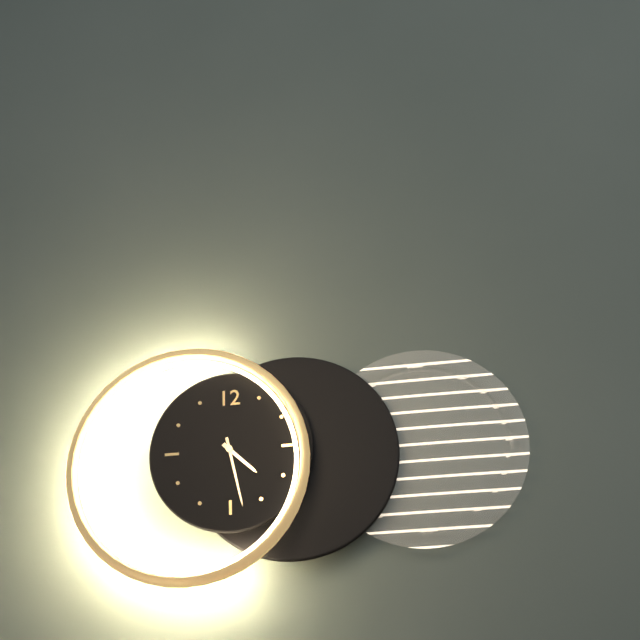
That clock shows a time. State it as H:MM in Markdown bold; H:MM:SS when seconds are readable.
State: **4:28**
